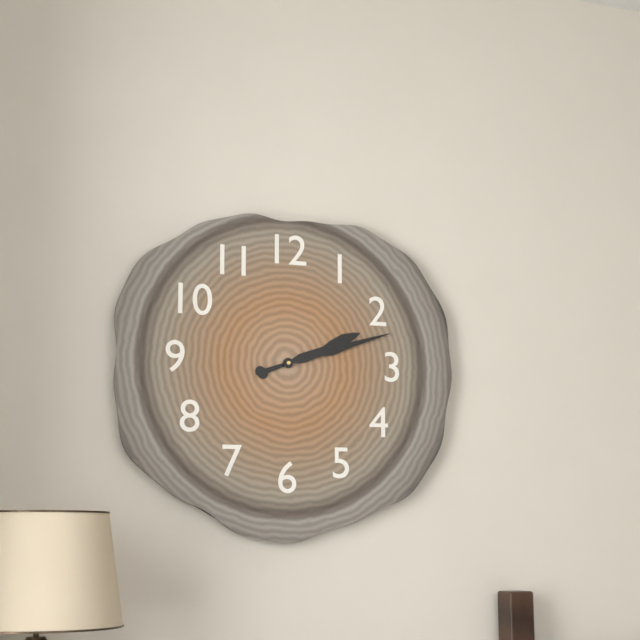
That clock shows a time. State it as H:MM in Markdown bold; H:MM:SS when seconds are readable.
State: **2:12**
